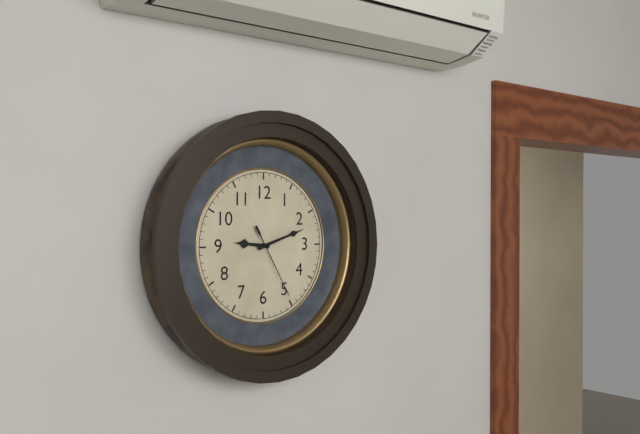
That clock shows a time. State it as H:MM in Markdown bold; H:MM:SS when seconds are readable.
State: **9:12:25**
